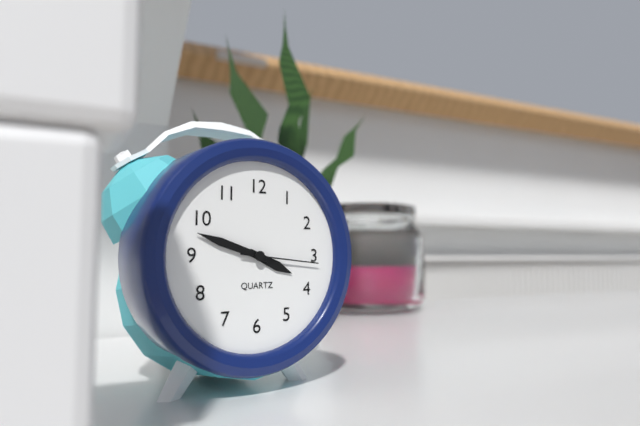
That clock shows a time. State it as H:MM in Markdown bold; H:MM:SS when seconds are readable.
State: **3:48:16**
